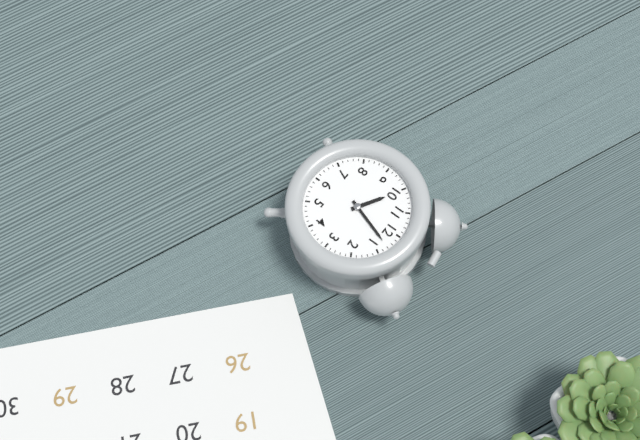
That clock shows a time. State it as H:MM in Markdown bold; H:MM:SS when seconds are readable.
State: **10:03**
